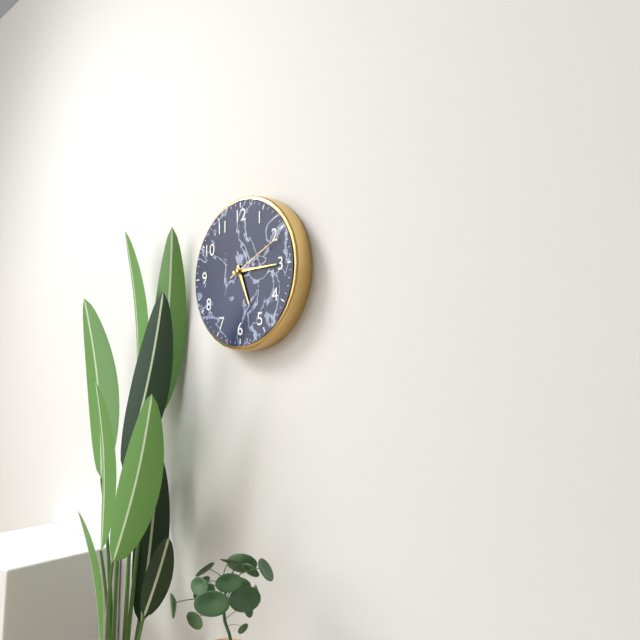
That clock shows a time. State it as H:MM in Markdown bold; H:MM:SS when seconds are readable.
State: **5:15:11**
